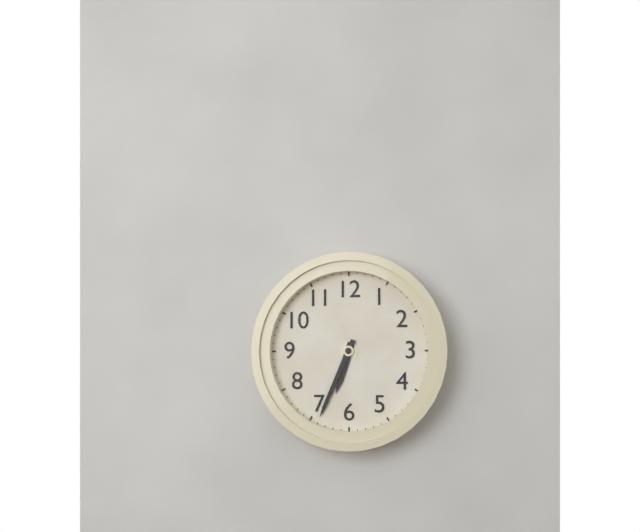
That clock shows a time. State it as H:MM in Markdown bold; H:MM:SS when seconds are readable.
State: **6:34**
